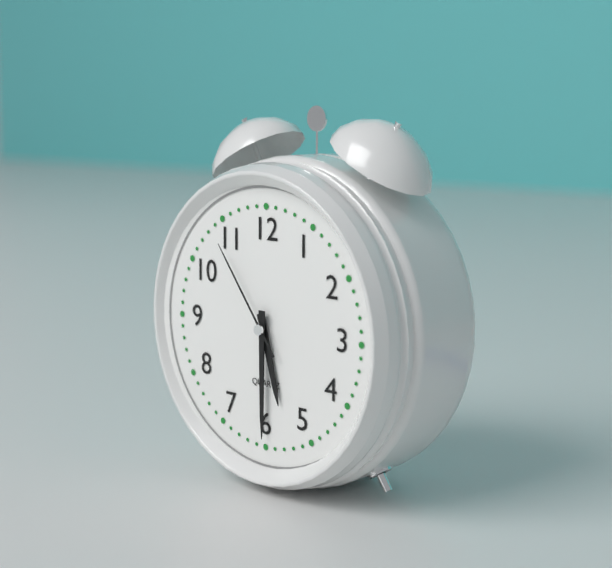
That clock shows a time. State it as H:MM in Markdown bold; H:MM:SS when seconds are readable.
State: **5:30:54**
